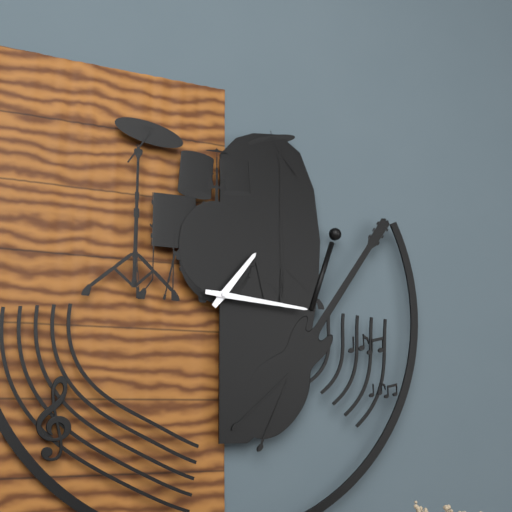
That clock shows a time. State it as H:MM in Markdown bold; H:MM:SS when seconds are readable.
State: **1:16**
